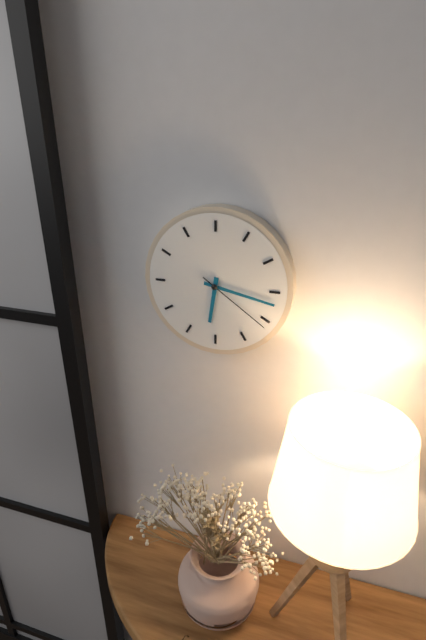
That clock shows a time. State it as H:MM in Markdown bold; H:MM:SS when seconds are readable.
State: **6:17:21**
